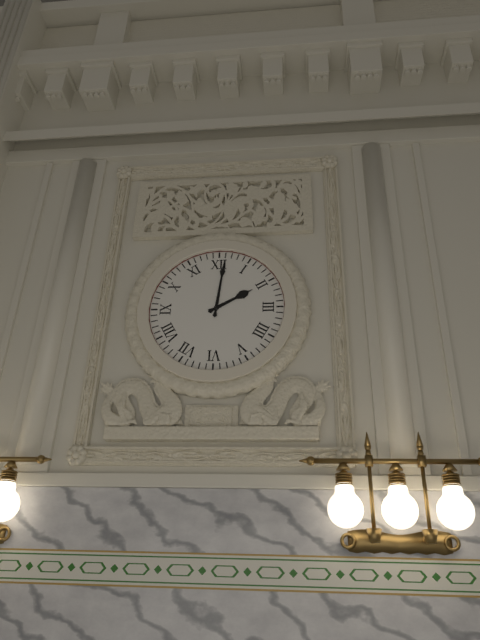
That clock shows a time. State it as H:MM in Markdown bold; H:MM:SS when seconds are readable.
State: **2:01**
